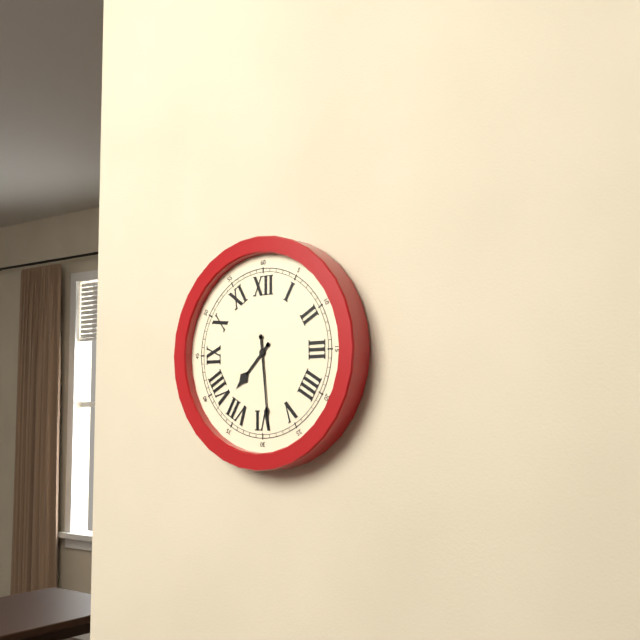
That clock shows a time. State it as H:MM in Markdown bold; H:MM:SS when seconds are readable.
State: **7:29**
